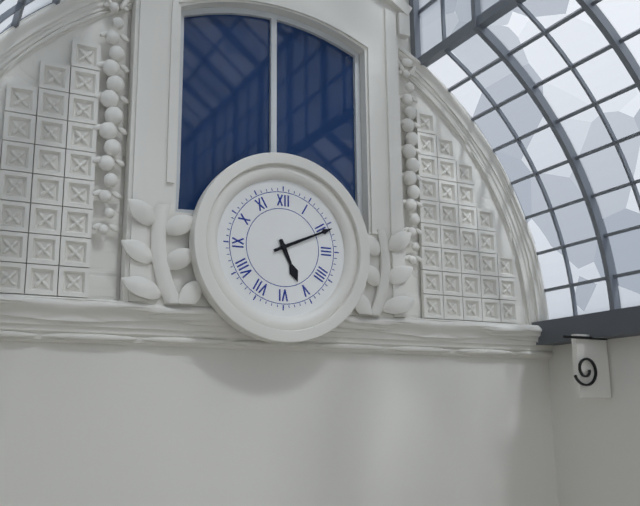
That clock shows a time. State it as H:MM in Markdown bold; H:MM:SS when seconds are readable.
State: **5:11**
